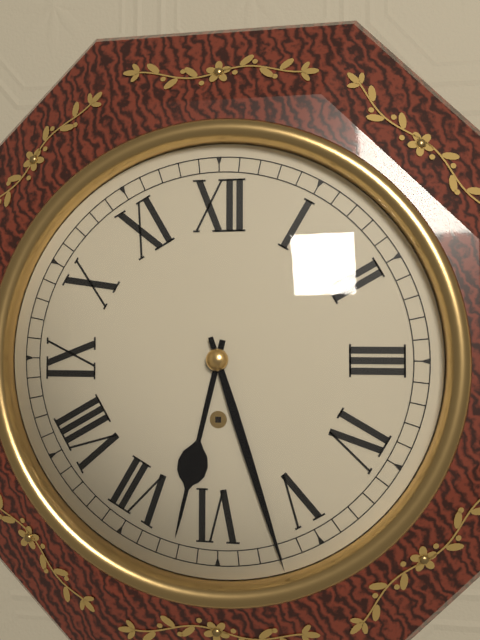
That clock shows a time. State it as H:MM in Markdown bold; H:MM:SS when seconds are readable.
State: **6:27**
